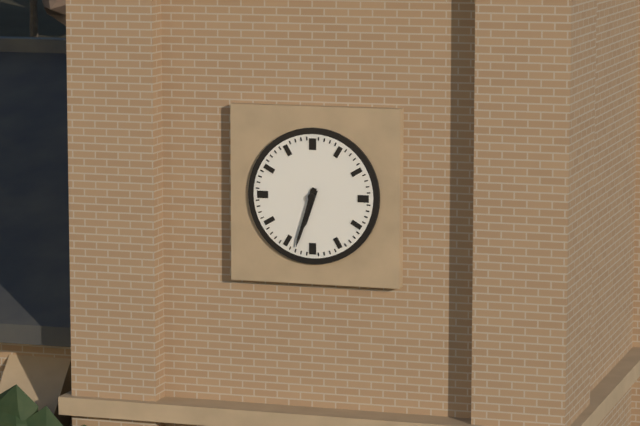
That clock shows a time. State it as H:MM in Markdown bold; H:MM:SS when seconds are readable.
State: **6:33**
